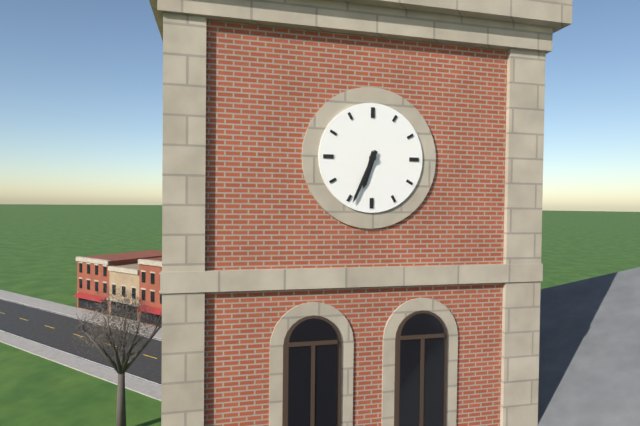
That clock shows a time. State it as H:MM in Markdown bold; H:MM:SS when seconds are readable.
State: **6:34**
